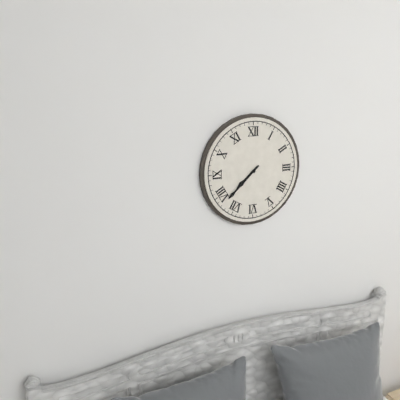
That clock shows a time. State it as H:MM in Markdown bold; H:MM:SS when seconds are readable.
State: **7:38**
